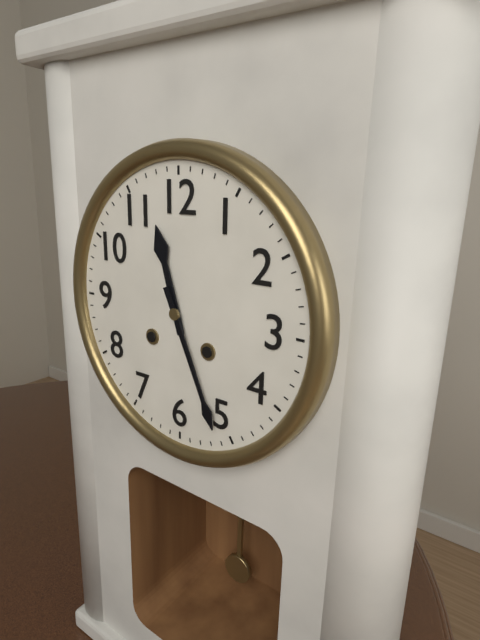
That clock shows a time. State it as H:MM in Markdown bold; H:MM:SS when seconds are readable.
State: **11:26**
